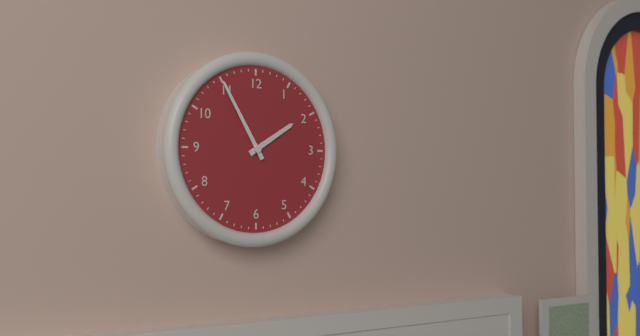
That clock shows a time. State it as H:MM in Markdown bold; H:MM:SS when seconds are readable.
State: **1:55**
